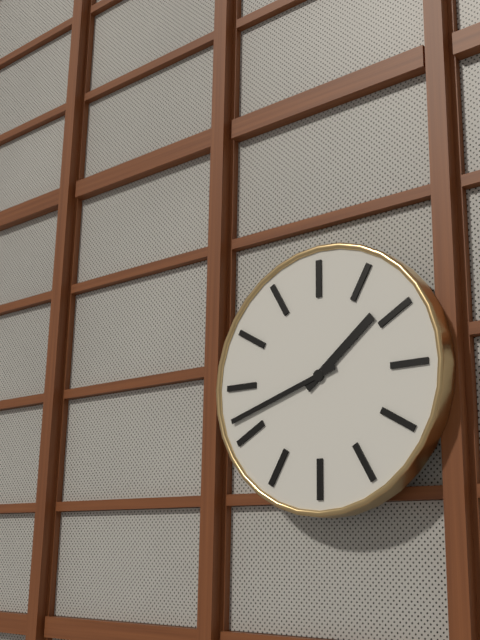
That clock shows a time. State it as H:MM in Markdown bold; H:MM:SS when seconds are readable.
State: **1:42**
